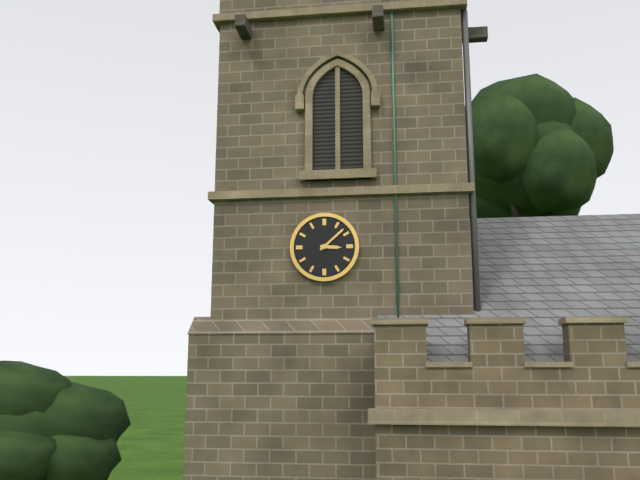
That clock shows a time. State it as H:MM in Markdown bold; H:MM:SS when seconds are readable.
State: **3:08**
